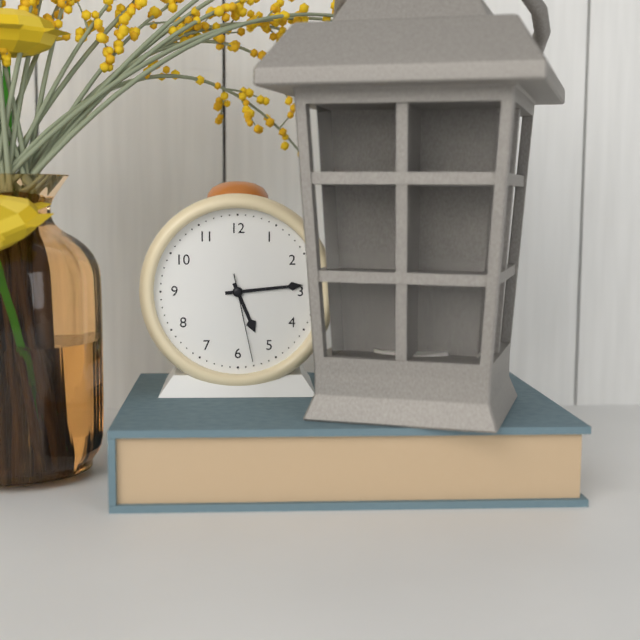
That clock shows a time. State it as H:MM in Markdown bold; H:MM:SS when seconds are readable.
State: **5:14:28**
